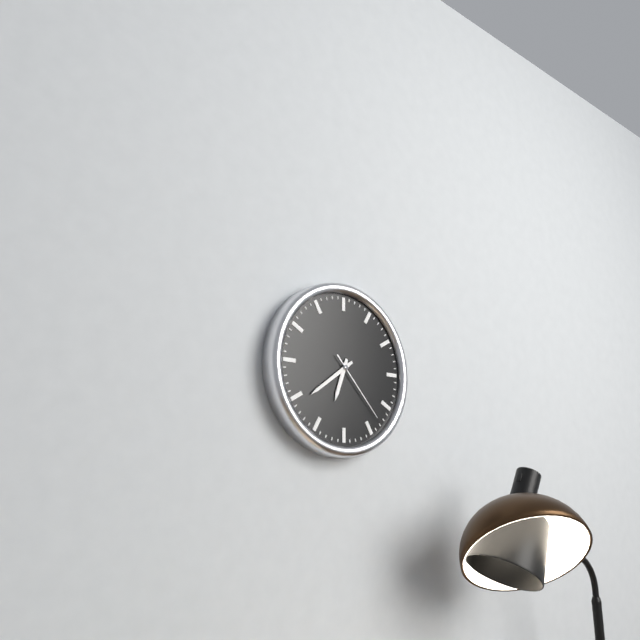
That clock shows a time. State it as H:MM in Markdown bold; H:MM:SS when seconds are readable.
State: **6:39:23**
